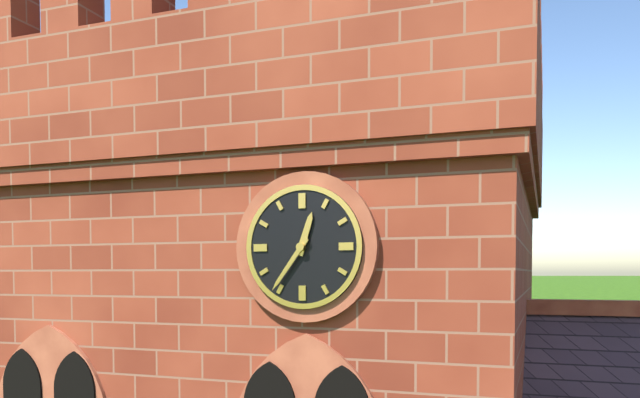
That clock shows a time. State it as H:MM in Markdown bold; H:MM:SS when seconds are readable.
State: **12:36**
